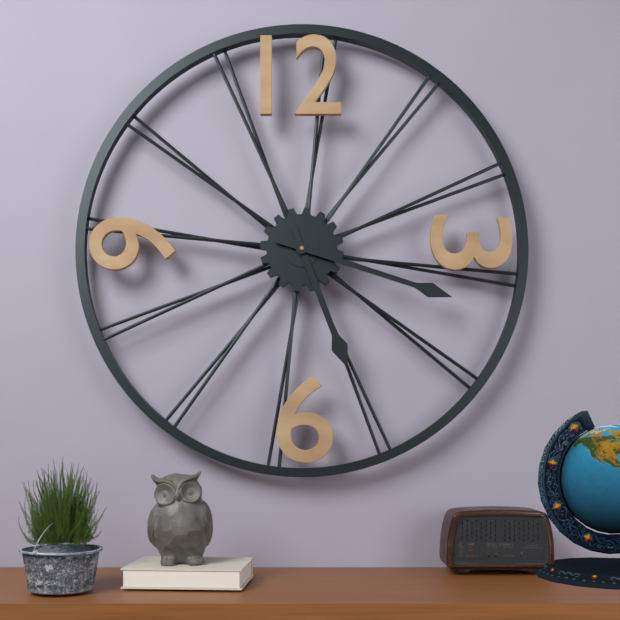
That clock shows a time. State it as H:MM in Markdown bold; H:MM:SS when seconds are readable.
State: **5:18**
